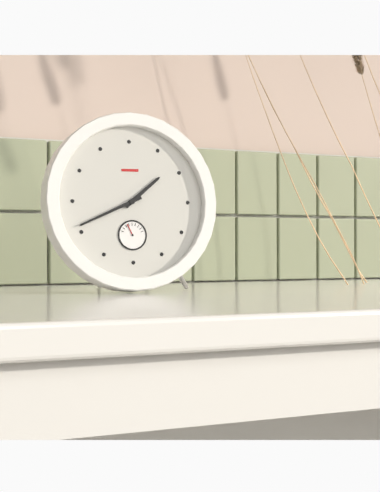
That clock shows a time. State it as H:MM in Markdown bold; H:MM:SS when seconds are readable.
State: **1:41**
